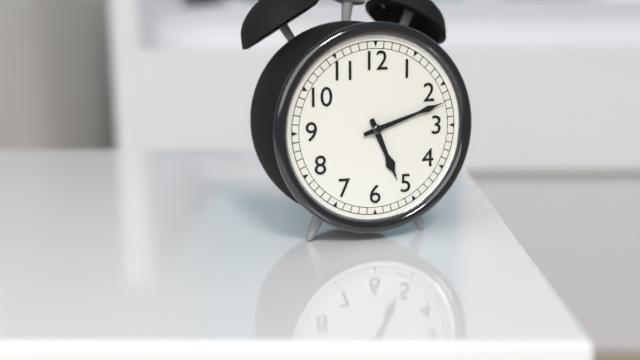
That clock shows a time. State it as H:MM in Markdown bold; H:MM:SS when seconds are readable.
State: **5:12**
